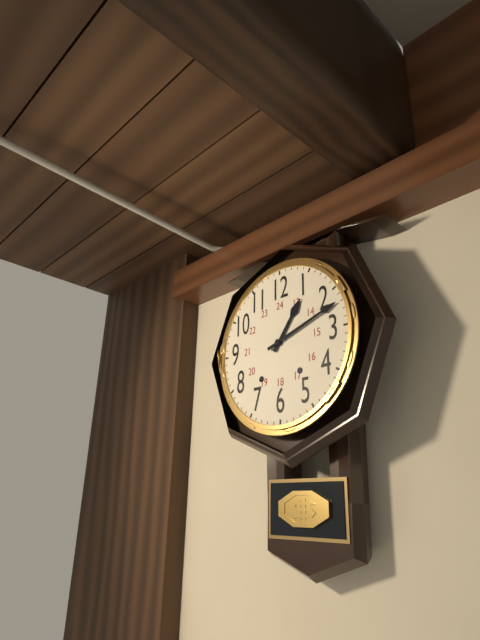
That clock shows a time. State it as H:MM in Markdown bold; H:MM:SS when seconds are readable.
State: **1:12**
